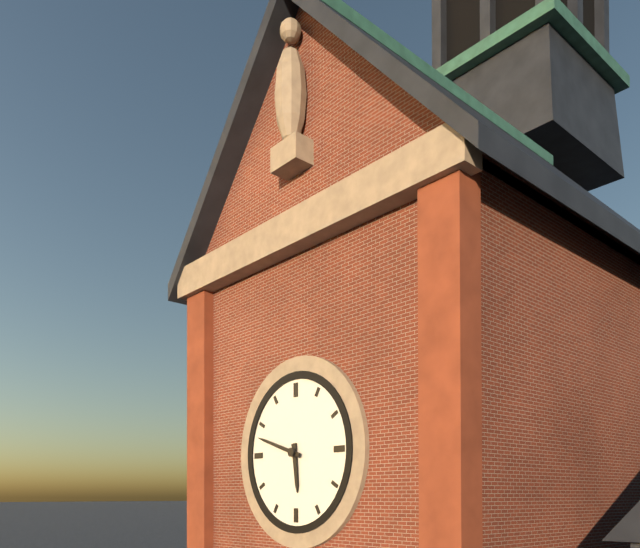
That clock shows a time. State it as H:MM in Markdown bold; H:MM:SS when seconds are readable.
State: **5:48**
